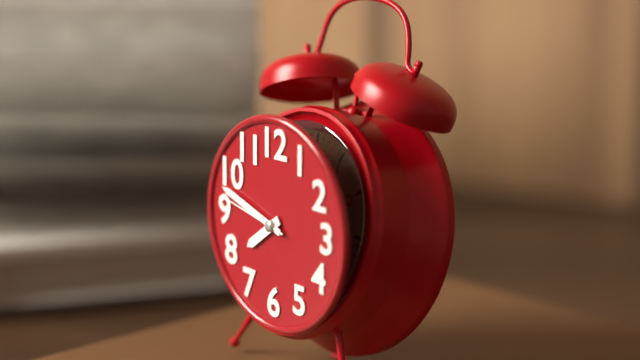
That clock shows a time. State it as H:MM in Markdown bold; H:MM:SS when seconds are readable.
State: **7:48:47**
